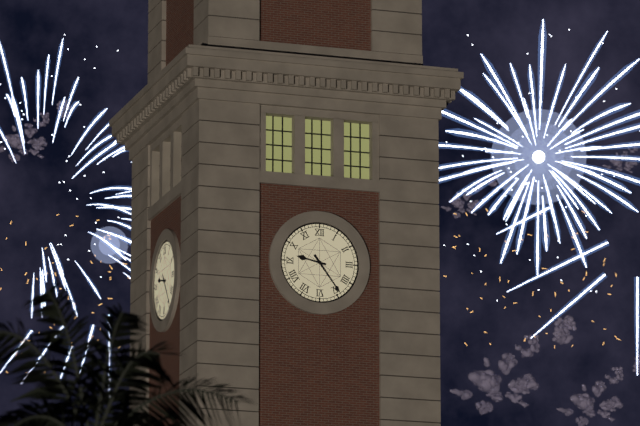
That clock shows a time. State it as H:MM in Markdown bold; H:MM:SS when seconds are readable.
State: **9:24**
